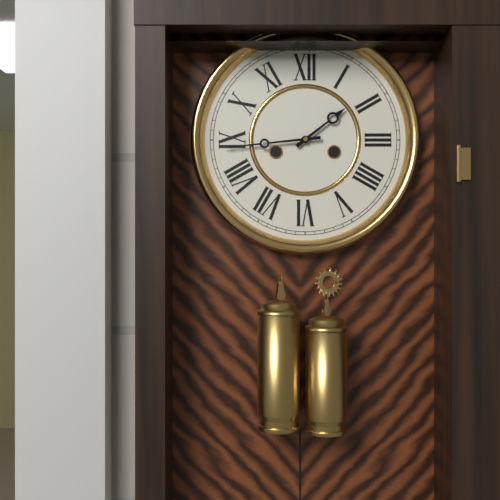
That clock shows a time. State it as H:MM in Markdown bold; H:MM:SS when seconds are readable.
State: **1:44**
